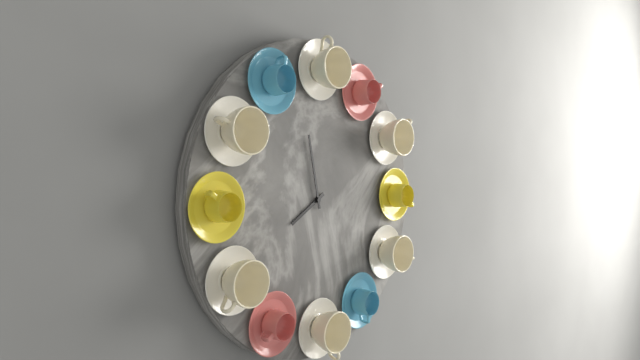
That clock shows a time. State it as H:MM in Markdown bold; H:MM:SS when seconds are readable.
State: **7:58**
